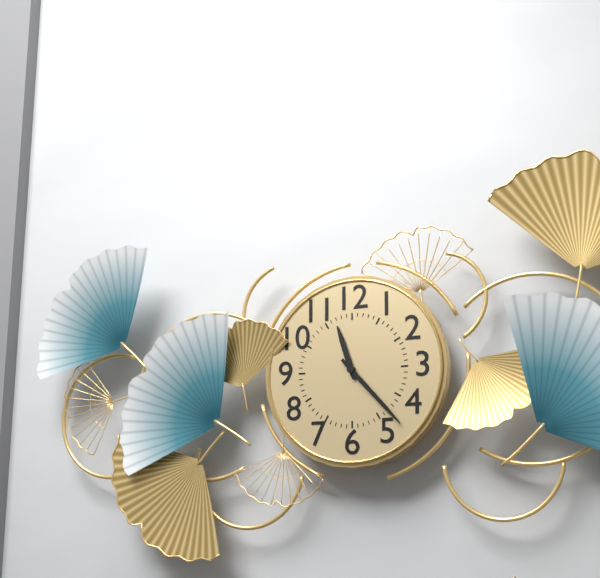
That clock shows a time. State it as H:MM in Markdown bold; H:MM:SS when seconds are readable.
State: **11:23**
